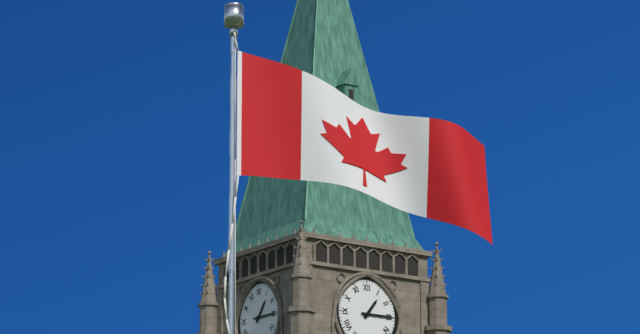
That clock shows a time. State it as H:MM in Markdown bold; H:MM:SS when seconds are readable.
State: **1:15**
